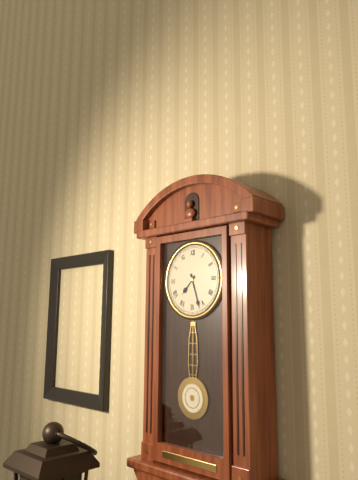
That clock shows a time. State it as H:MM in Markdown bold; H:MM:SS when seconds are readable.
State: **7:27**
